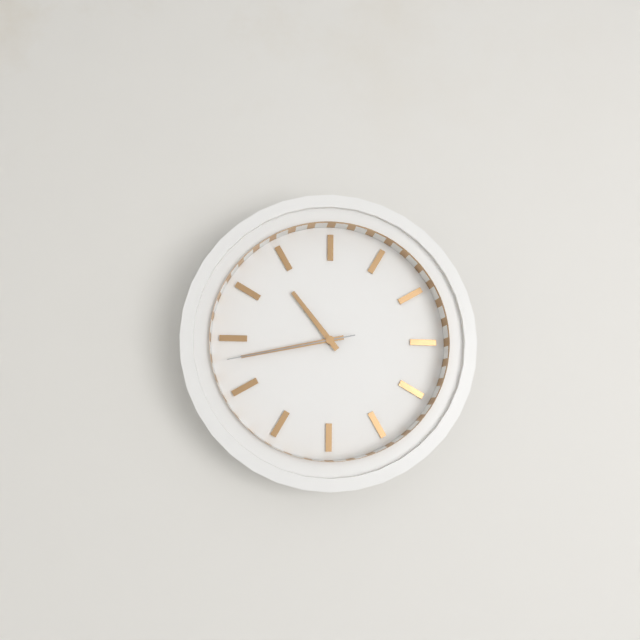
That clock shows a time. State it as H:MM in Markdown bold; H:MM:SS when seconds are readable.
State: **10:43:43**
